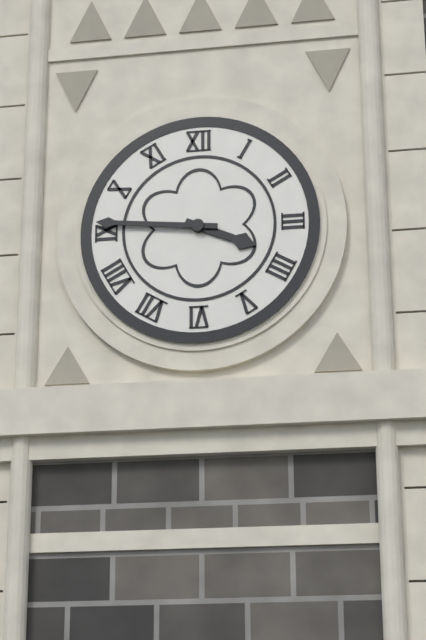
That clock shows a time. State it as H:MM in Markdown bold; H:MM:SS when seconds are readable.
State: **3:46**
